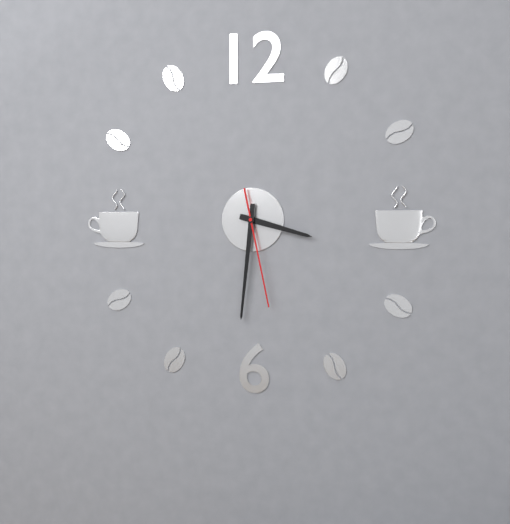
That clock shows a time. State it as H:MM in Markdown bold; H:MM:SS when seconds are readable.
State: **3:31:28**
